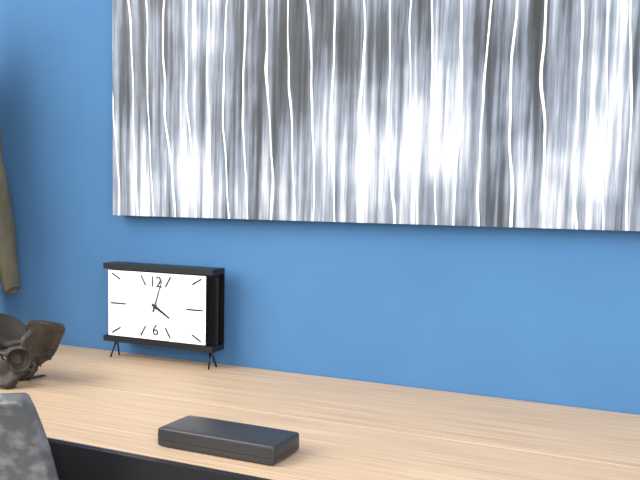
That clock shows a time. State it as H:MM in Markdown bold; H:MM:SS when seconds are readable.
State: **4:03**
